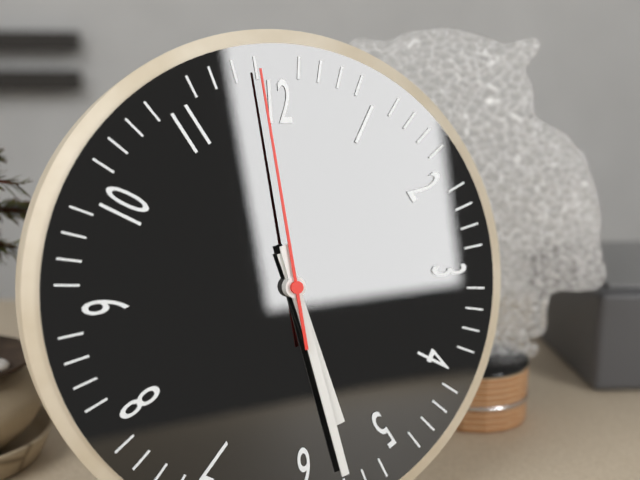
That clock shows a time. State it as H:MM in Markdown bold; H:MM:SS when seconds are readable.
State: **5:28:59**
